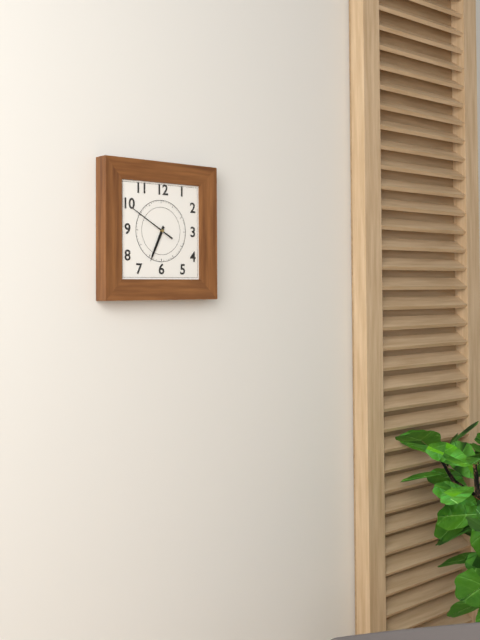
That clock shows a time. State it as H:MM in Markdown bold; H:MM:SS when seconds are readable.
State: **6:50**
